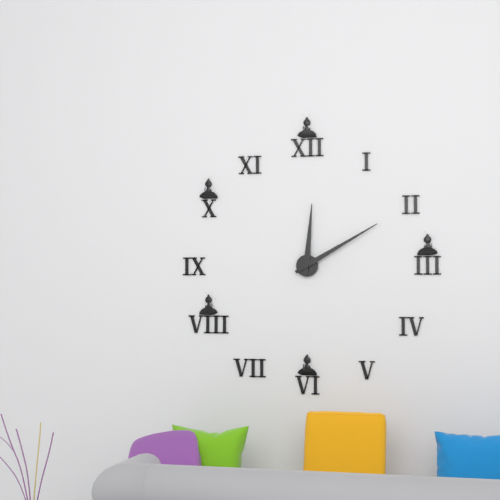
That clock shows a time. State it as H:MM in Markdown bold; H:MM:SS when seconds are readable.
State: **12:10**
